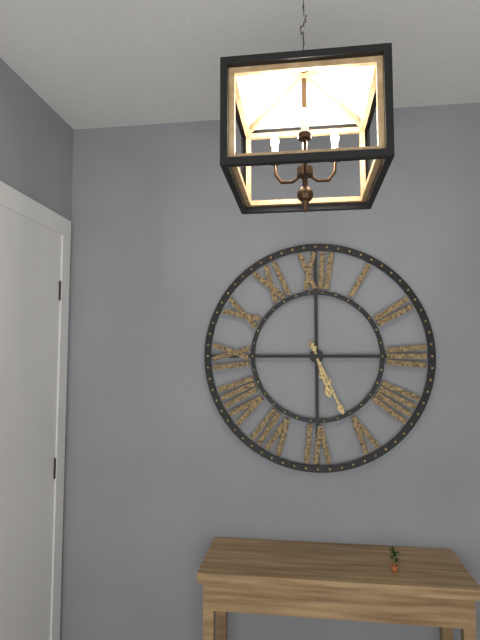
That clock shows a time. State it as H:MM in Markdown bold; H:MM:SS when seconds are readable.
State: **5:26**
